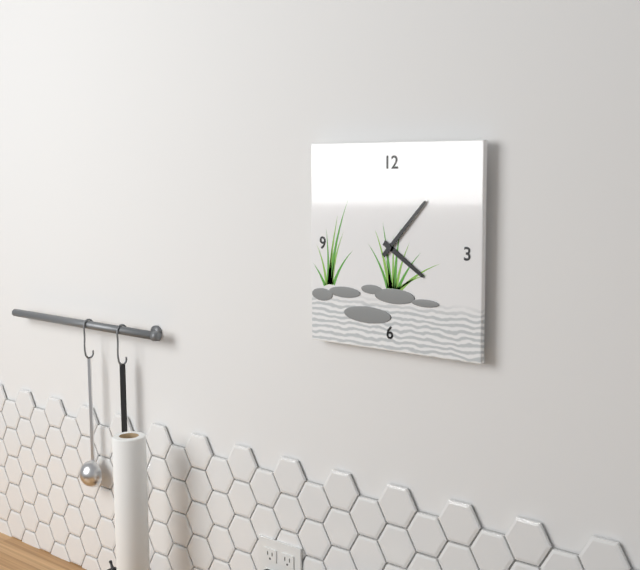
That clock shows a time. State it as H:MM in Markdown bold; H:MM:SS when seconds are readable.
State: **4:07**
